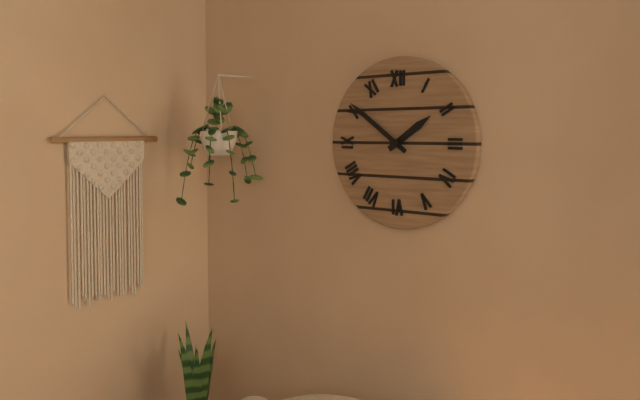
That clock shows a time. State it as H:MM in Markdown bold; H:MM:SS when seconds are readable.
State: **1:51**
